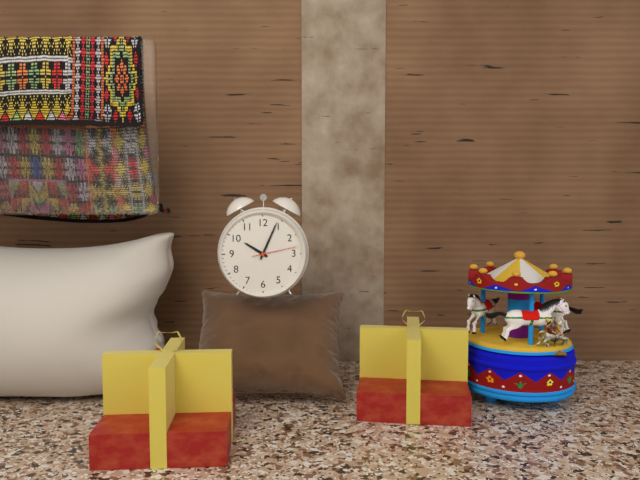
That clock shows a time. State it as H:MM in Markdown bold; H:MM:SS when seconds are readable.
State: **10:04**
